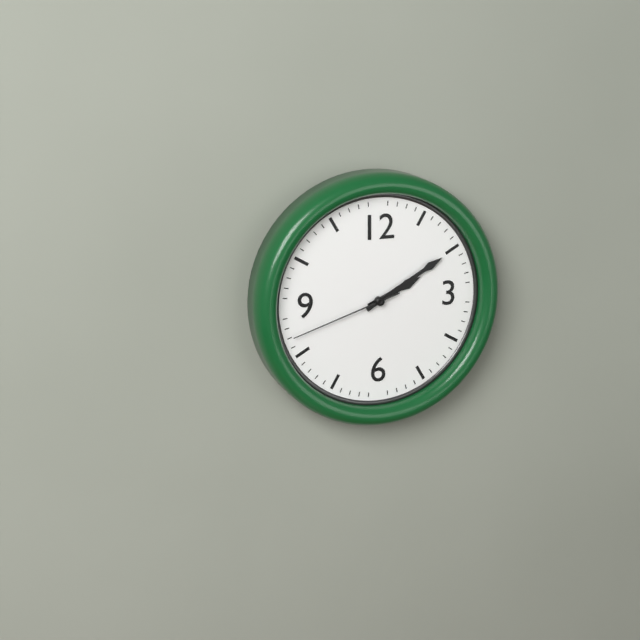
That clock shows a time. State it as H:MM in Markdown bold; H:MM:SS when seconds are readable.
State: **2:10:42**
